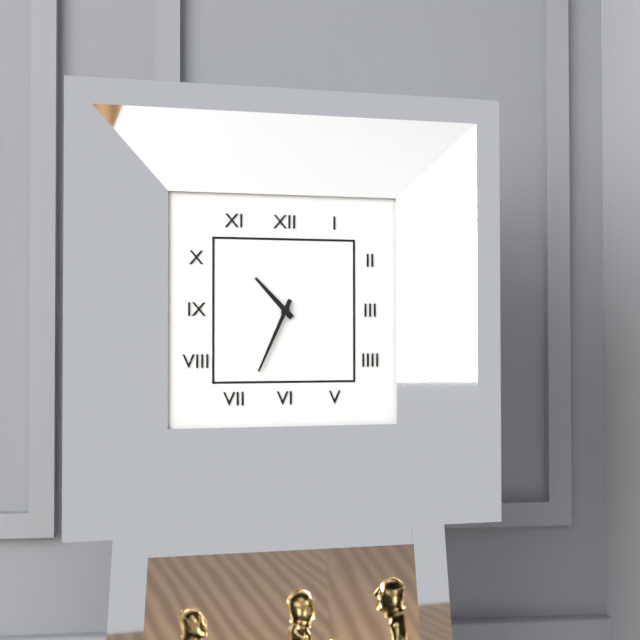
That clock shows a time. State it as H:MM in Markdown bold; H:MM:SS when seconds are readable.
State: **10:34**
